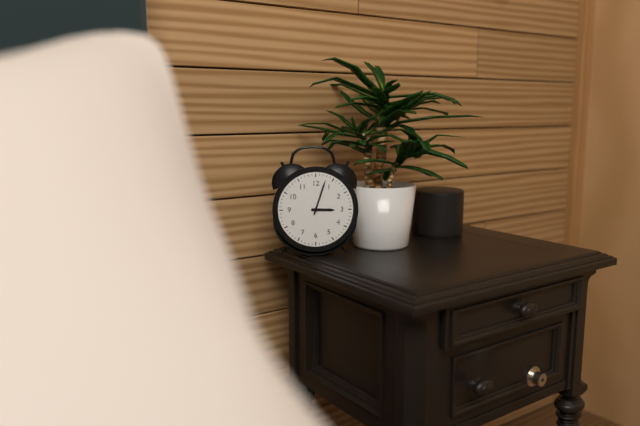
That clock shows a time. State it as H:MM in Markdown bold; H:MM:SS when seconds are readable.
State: **3:03**
